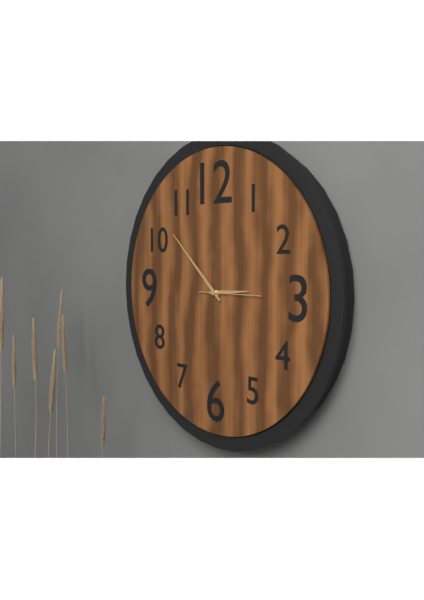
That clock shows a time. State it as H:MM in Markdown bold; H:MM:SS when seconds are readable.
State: **2:52:15**
